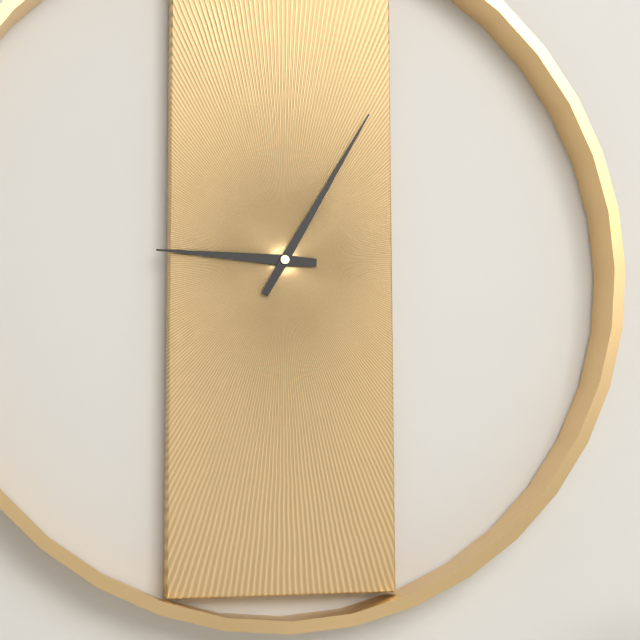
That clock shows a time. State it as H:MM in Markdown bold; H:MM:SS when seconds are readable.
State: **9:05**
